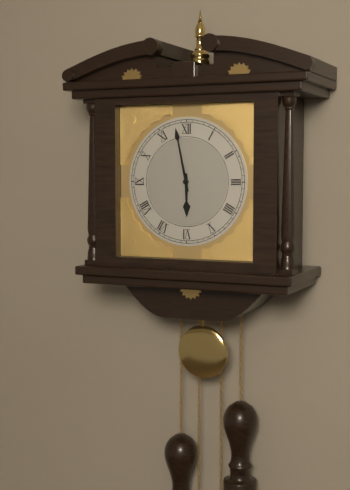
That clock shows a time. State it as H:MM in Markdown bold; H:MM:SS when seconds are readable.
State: **5:58**
